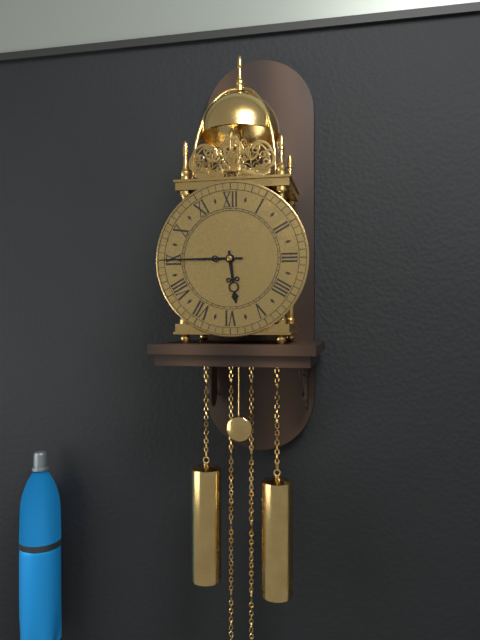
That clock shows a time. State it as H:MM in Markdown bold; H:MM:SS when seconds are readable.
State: **5:45**
